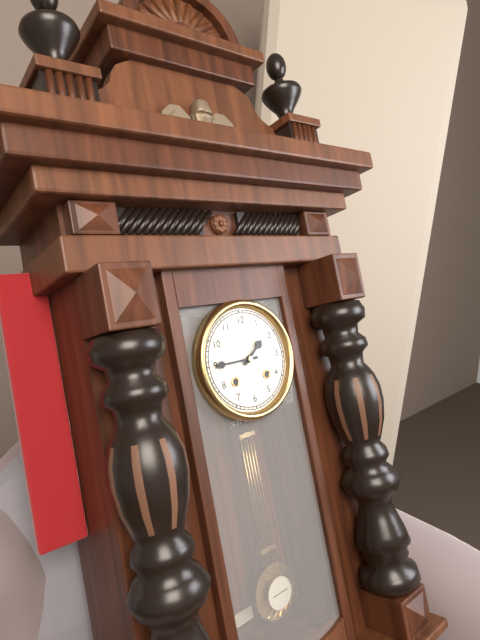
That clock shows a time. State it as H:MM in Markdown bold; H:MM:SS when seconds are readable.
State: **1:45**
